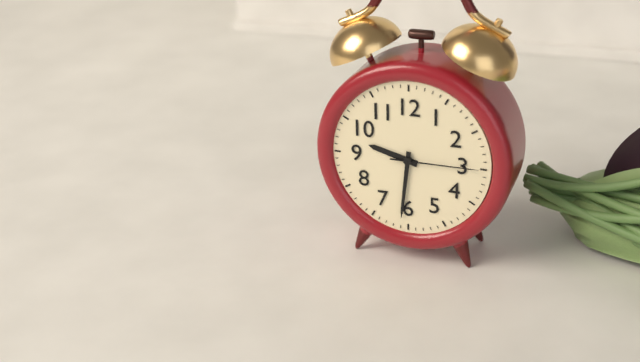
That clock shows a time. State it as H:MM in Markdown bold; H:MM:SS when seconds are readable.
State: **9:31:15**
